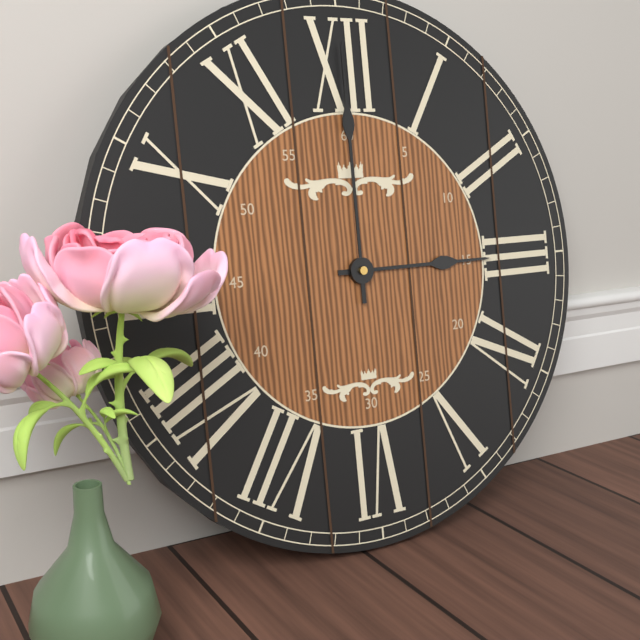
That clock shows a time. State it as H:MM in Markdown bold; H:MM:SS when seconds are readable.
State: **3:00**
